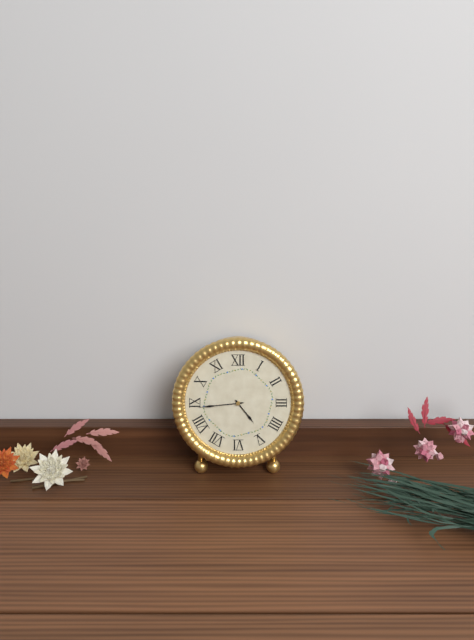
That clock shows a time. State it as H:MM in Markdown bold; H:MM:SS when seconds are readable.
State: **4:44**
